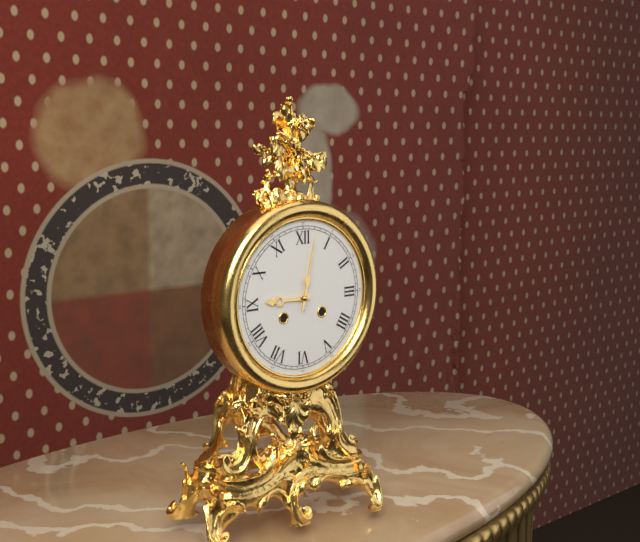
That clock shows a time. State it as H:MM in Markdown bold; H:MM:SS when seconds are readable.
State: **9:02**
